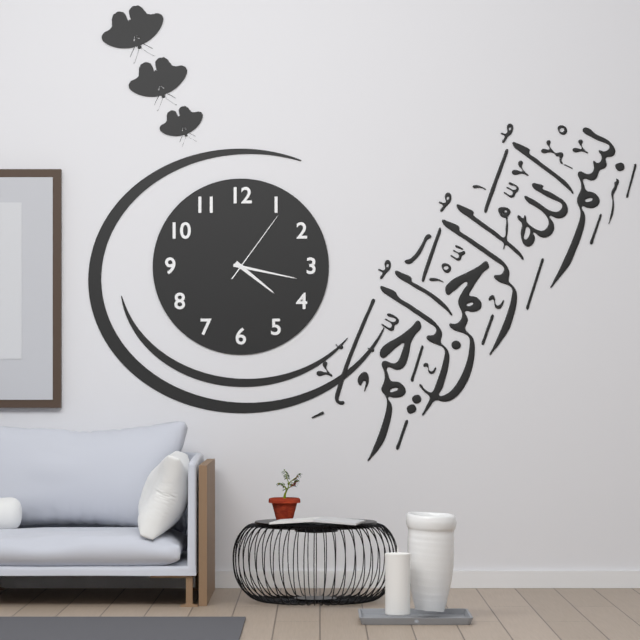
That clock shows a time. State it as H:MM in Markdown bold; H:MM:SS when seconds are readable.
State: **4:17:06**
